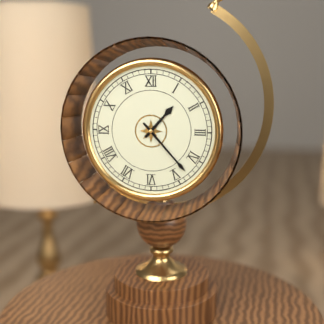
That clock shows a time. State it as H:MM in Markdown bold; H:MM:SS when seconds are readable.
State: **1:23**
